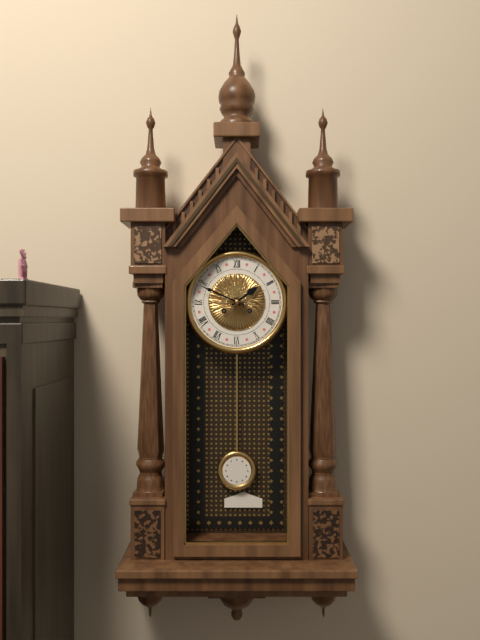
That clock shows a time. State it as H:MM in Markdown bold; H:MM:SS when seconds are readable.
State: **1:49**
